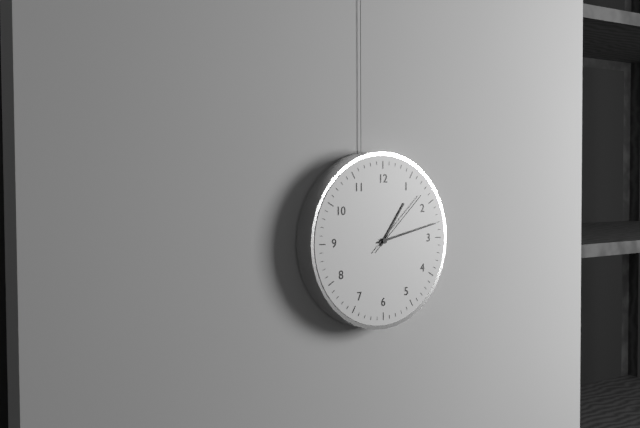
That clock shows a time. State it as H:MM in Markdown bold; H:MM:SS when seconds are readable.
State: **1:13:08**
